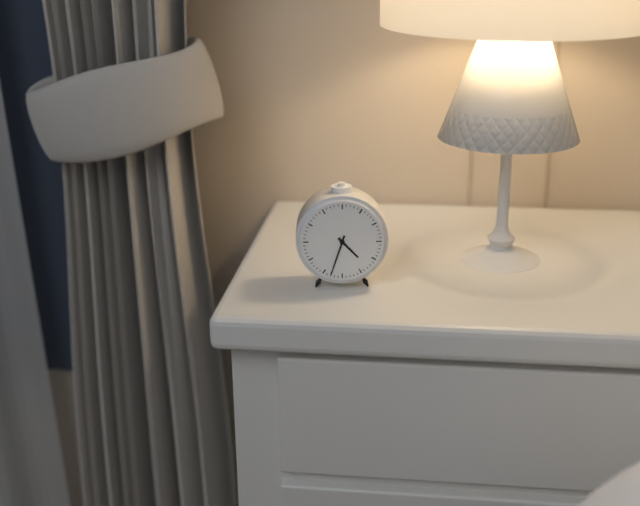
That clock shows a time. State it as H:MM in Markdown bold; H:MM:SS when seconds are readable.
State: **4:33**
